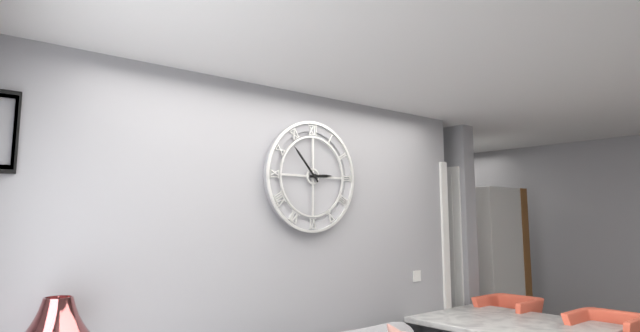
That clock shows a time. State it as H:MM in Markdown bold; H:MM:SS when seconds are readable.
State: **2:53**
